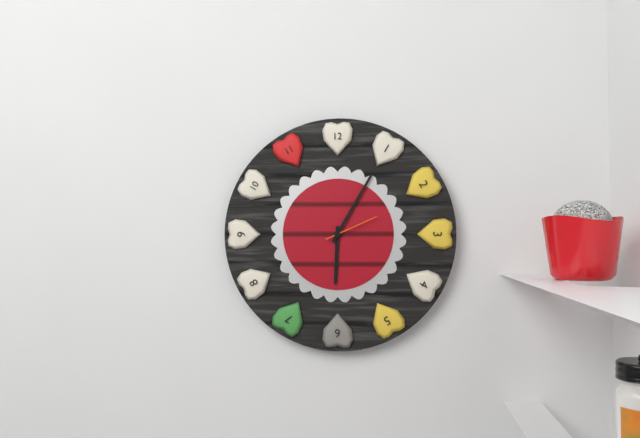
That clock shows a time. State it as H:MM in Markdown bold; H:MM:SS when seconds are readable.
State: **6:05:11**
